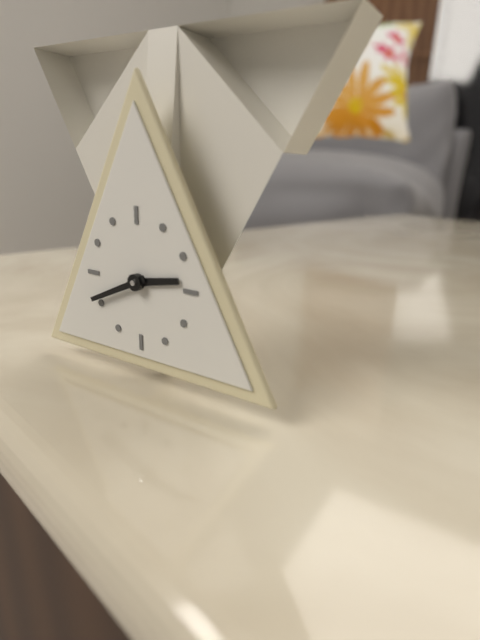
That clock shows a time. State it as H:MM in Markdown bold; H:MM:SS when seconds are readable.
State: **2:41**
